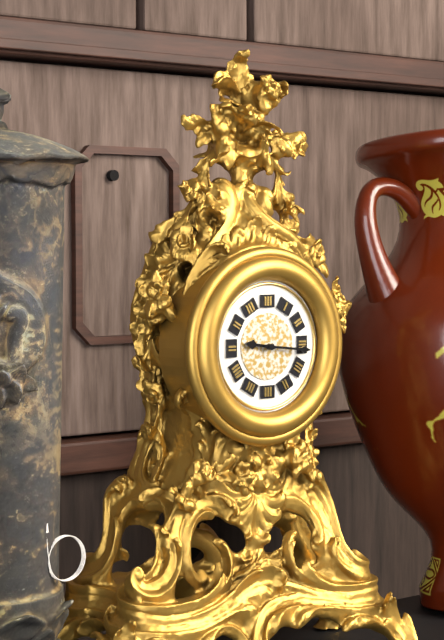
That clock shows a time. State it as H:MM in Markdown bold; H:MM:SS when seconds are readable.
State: **9:16**
